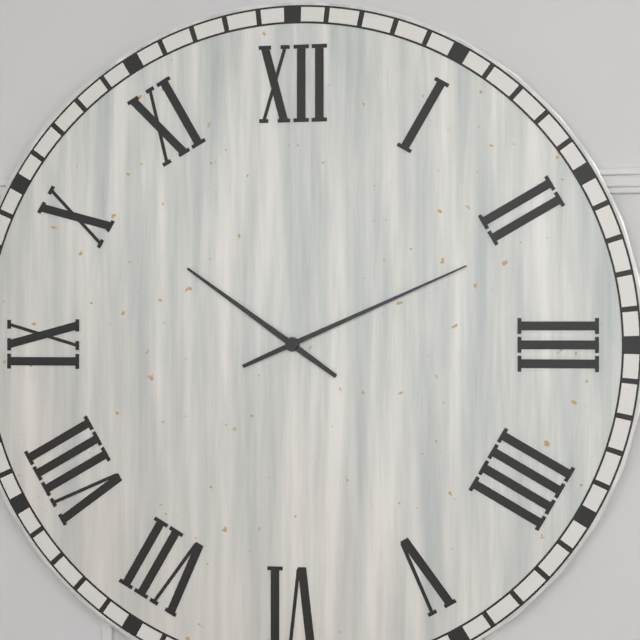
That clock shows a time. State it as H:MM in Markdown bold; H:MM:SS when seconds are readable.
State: **10:11**
